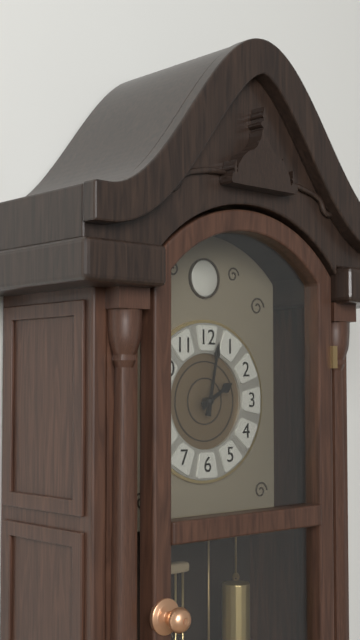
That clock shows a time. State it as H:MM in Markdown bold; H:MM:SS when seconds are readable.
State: **2:02**
